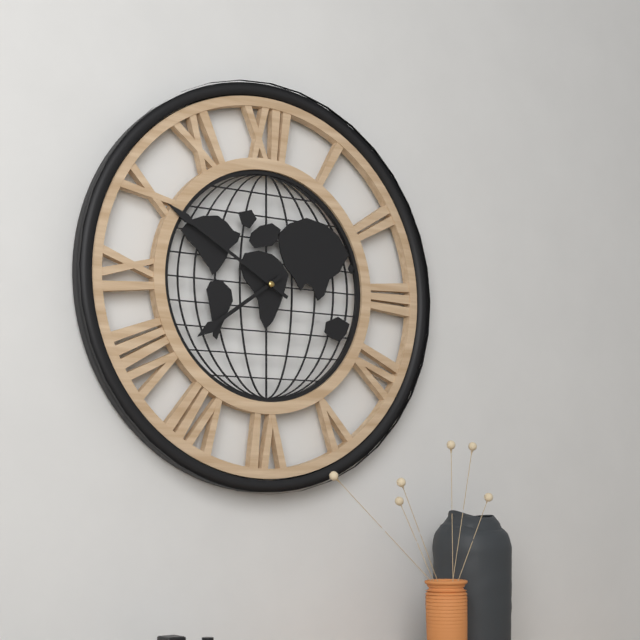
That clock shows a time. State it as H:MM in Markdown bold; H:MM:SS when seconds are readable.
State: **7:50**
